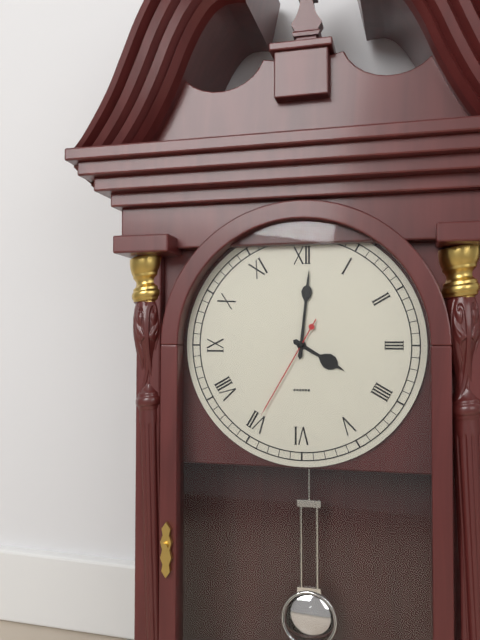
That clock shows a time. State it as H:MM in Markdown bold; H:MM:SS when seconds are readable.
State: **4:01:35**
